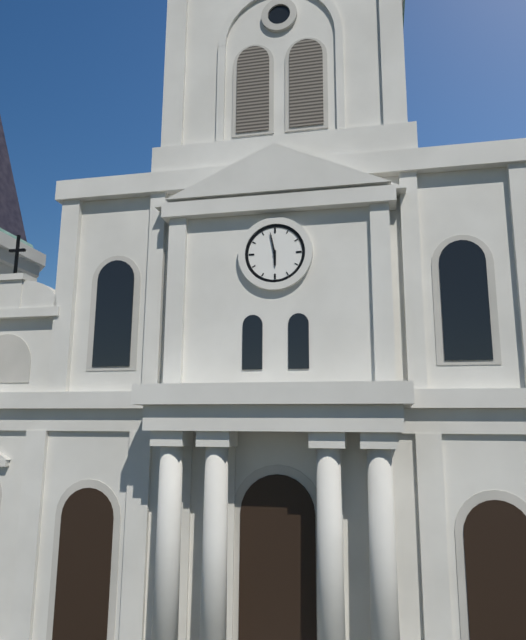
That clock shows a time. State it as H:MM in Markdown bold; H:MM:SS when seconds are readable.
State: **5:58**
